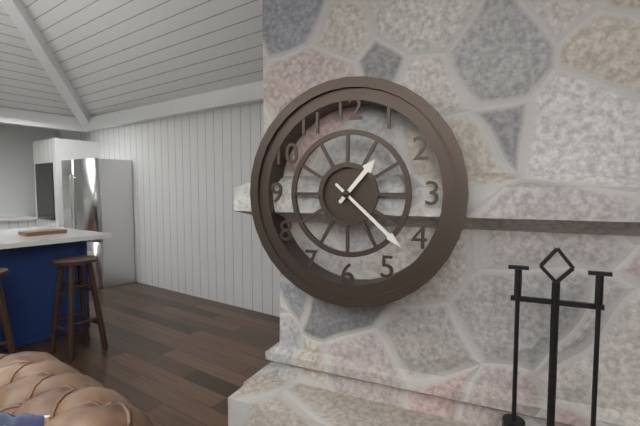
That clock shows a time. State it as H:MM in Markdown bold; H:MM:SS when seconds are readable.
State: **1:22**
